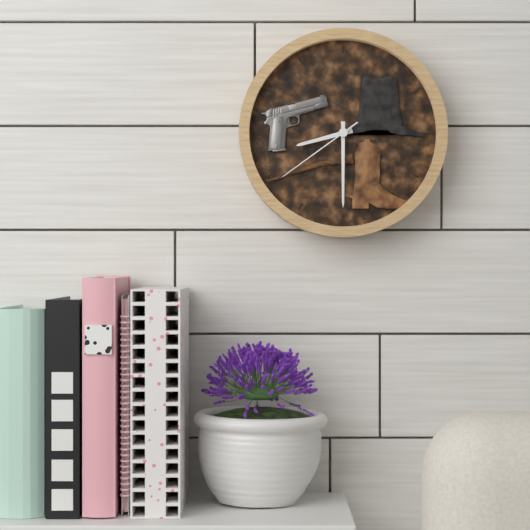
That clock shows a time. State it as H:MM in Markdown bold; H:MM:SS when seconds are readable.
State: **8:30:39**
